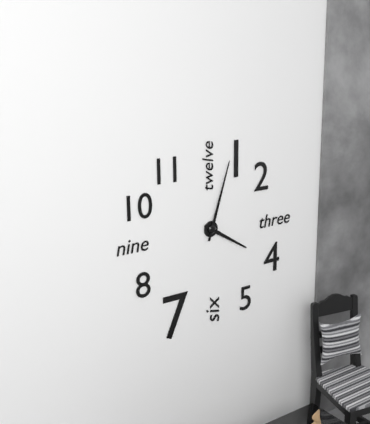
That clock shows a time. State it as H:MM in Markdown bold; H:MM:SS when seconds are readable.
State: **4:03**
